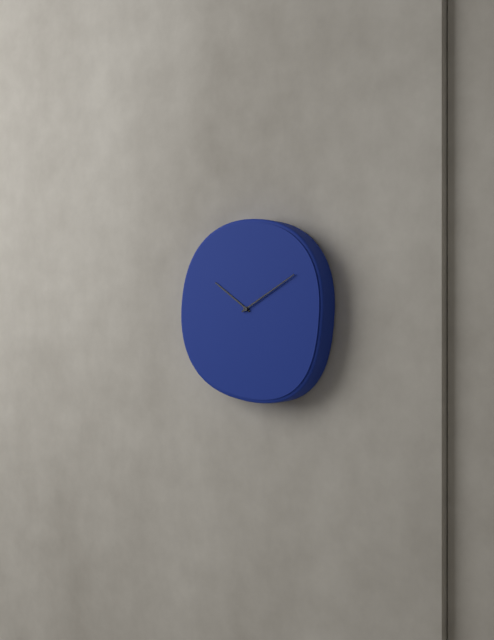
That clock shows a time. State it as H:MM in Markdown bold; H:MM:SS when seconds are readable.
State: **10:10**
